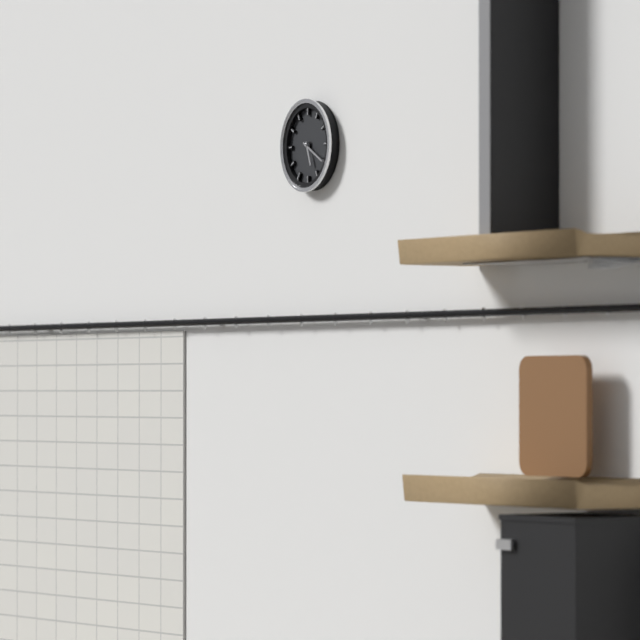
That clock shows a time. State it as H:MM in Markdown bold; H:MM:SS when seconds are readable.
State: **5:20**
